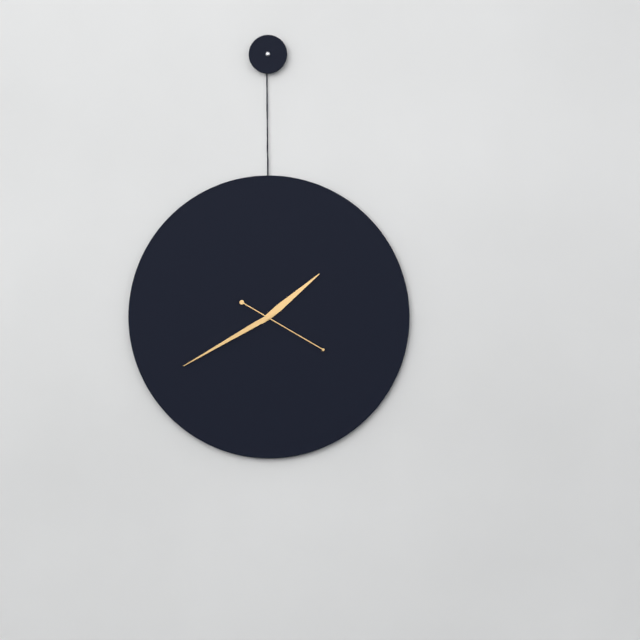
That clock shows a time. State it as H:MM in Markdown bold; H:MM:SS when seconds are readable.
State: **1:40:20**
